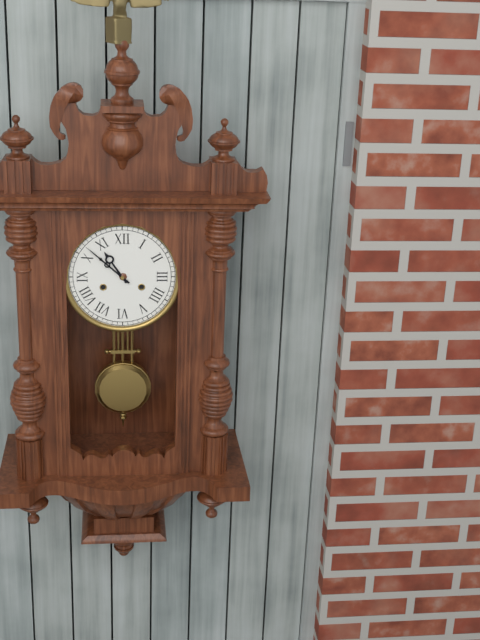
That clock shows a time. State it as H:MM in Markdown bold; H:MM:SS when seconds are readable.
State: **10:52**
